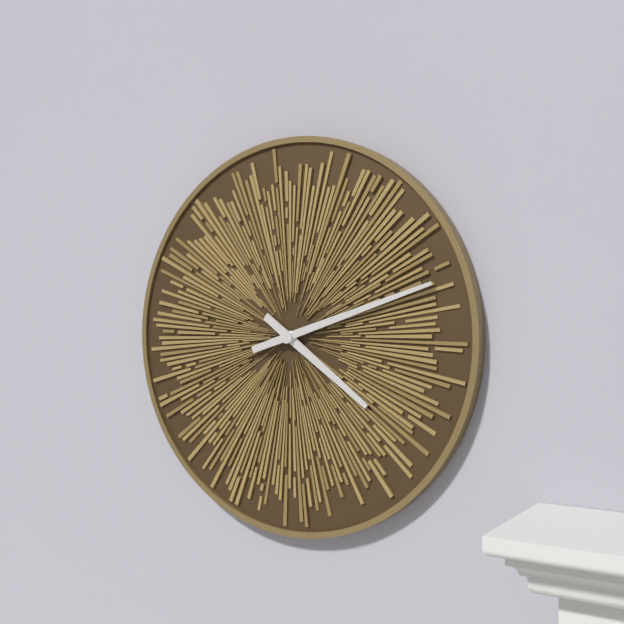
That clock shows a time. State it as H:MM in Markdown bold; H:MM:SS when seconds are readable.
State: **4:12**
